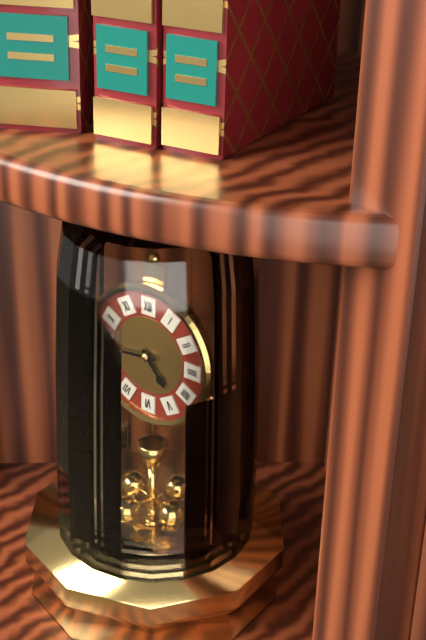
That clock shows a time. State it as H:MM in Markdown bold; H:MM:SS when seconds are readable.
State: **4:44**
